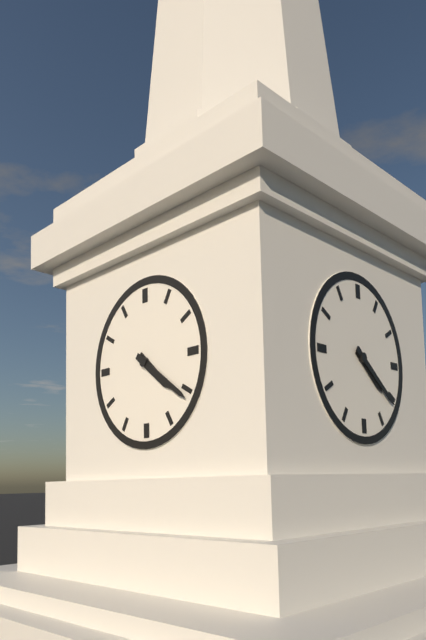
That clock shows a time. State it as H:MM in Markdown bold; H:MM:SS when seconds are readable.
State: **4:21**
